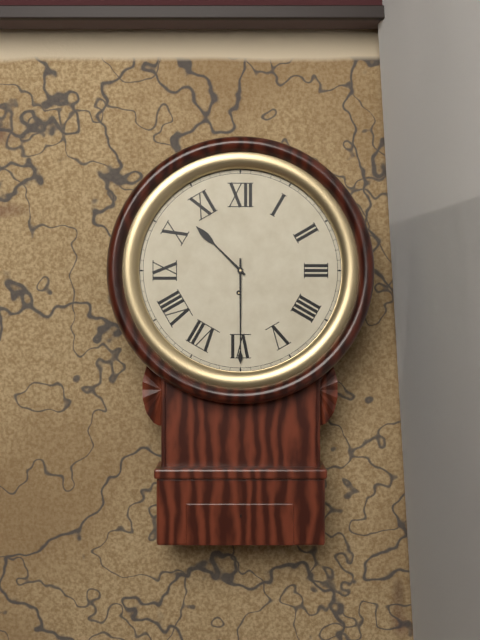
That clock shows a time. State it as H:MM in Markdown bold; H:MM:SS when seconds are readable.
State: **10:30**
